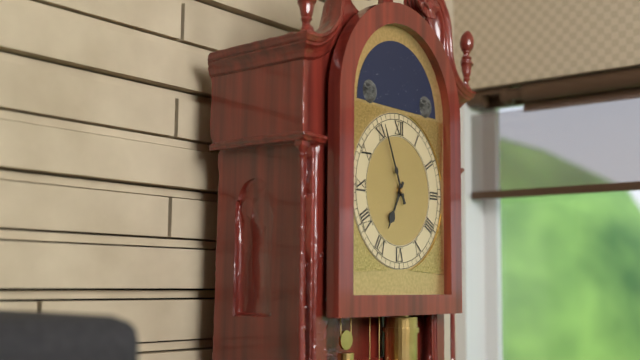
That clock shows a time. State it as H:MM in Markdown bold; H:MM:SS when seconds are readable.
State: **6:56**
